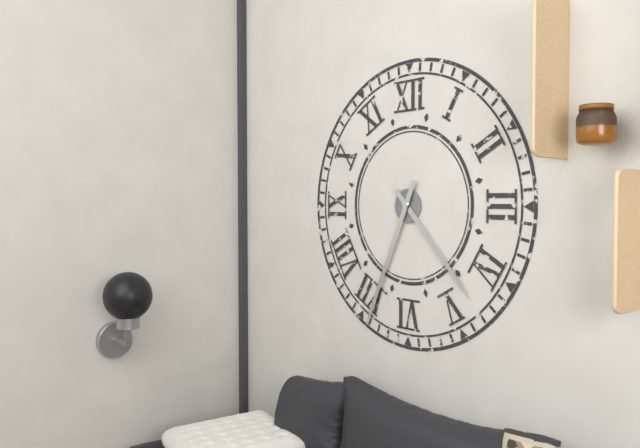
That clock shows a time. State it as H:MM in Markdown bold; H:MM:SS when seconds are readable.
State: **4:34**
